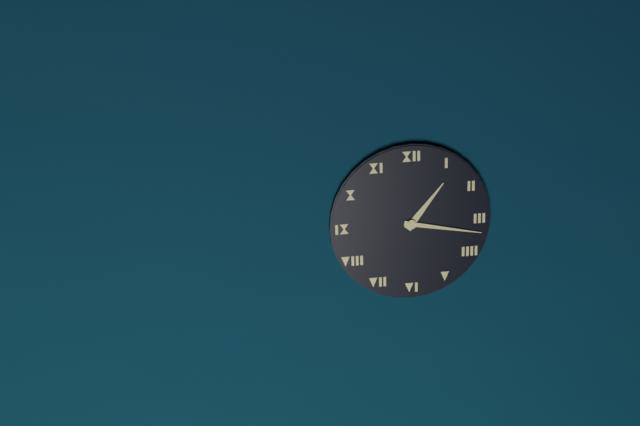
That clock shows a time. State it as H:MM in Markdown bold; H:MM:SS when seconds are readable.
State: **1:17**
